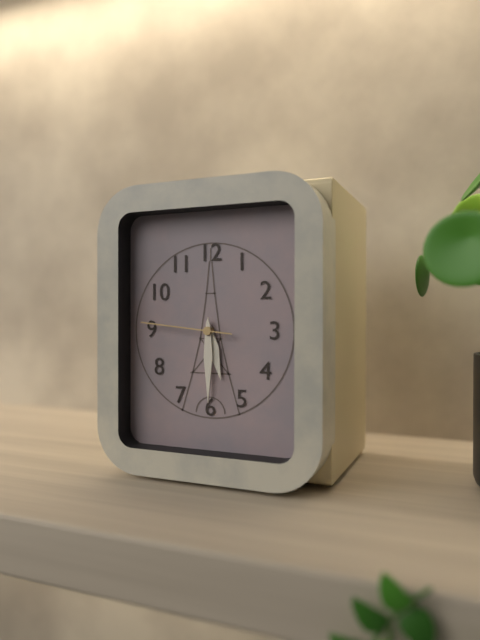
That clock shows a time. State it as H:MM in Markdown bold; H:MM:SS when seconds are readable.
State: **5:30:46**
